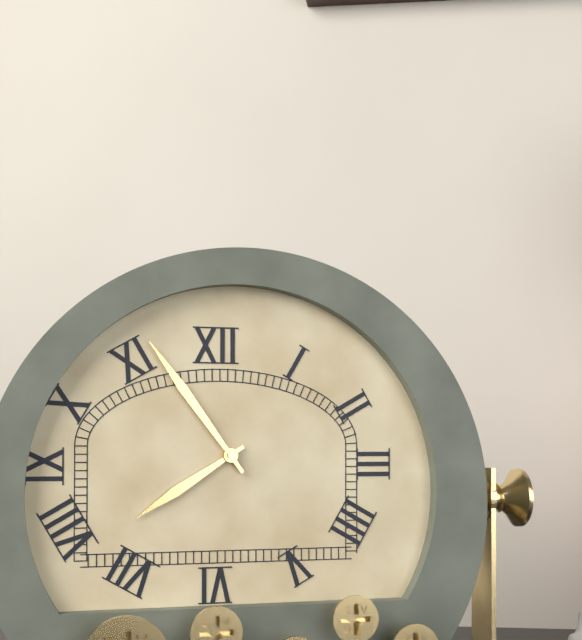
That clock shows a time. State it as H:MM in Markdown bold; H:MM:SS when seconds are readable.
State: **7:54**
